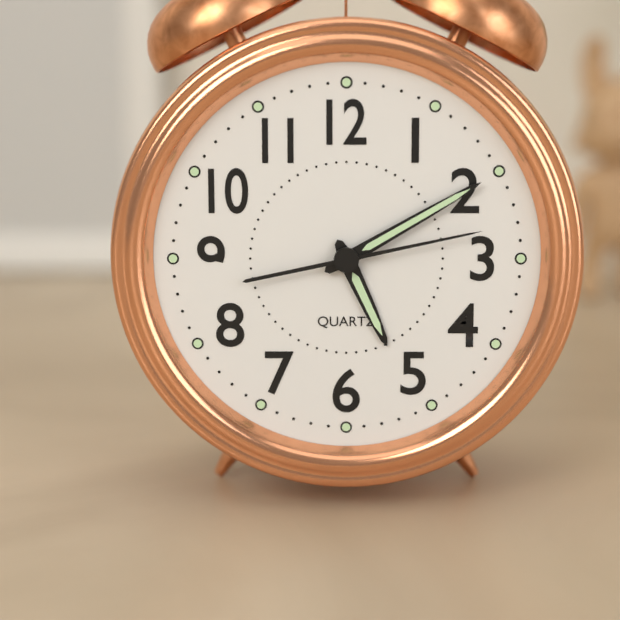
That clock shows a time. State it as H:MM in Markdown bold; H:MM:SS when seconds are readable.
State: **5:10:13**
